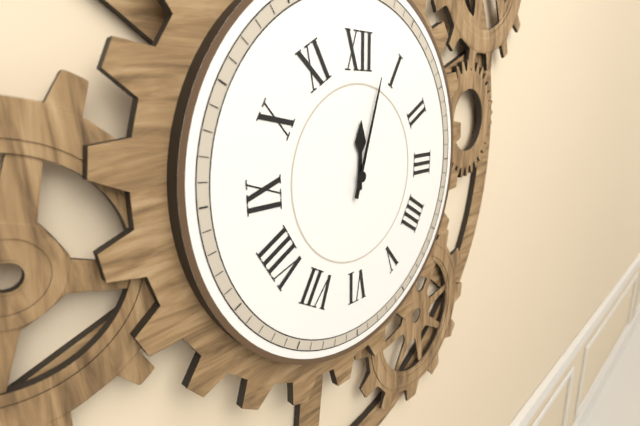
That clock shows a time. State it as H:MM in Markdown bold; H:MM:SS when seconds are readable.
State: **12:03**
